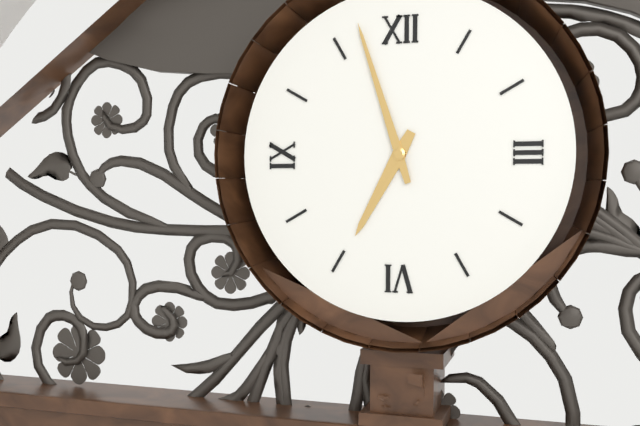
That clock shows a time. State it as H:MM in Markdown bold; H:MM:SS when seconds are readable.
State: **6:57**
